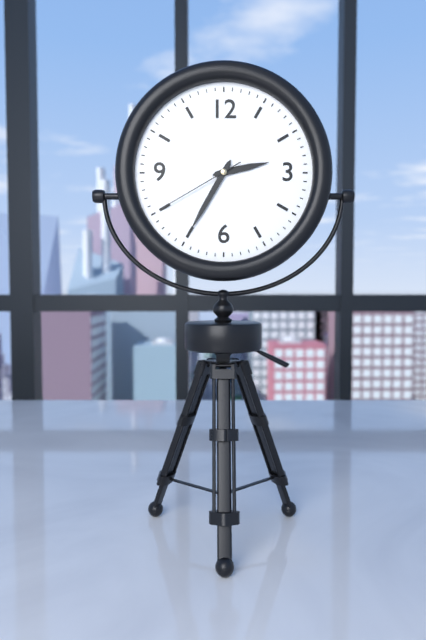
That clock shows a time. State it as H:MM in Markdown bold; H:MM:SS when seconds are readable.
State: **2:35:40**
